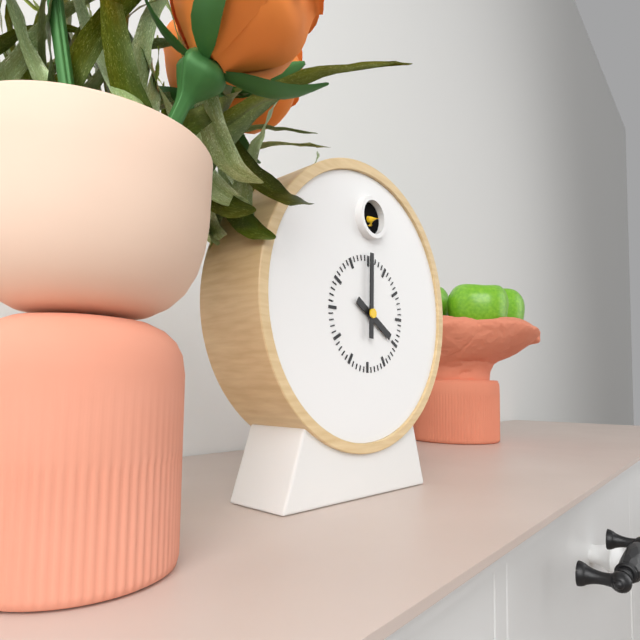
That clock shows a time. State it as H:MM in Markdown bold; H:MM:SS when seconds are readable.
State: **4:00**
